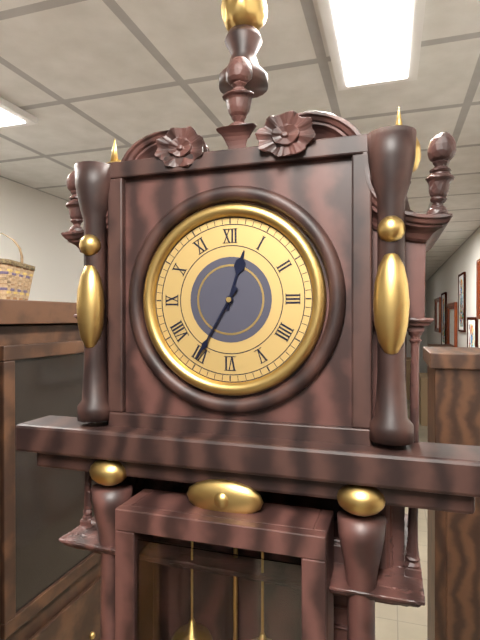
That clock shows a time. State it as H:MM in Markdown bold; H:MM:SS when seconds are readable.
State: **12:35**
